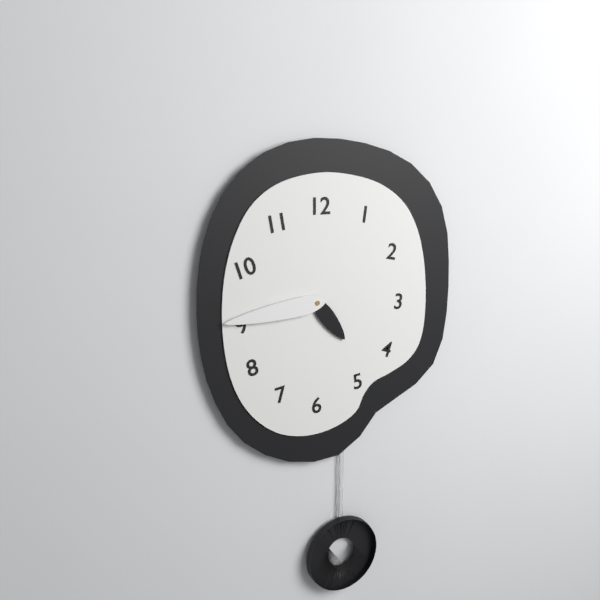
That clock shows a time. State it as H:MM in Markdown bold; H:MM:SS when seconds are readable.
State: **4:44**
